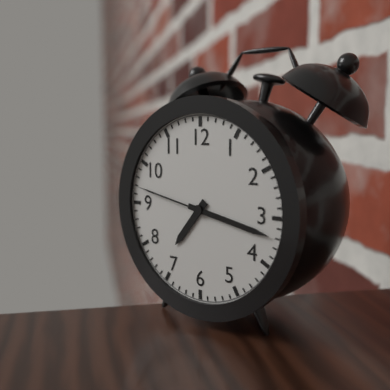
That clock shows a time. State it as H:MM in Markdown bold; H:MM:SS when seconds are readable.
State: **7:17:47**
